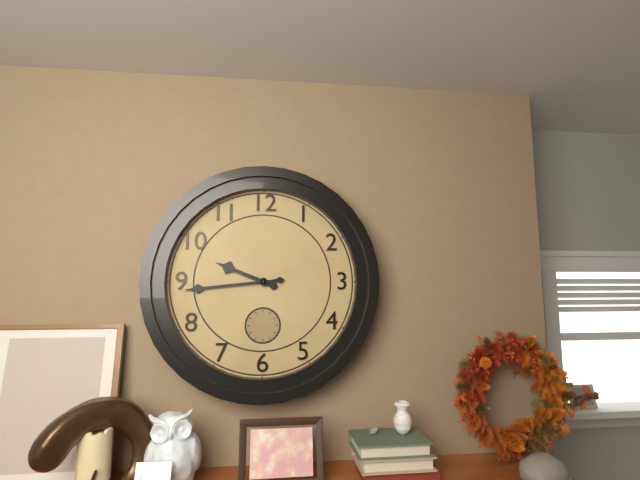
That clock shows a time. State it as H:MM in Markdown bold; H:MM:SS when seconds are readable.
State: **9:44**
